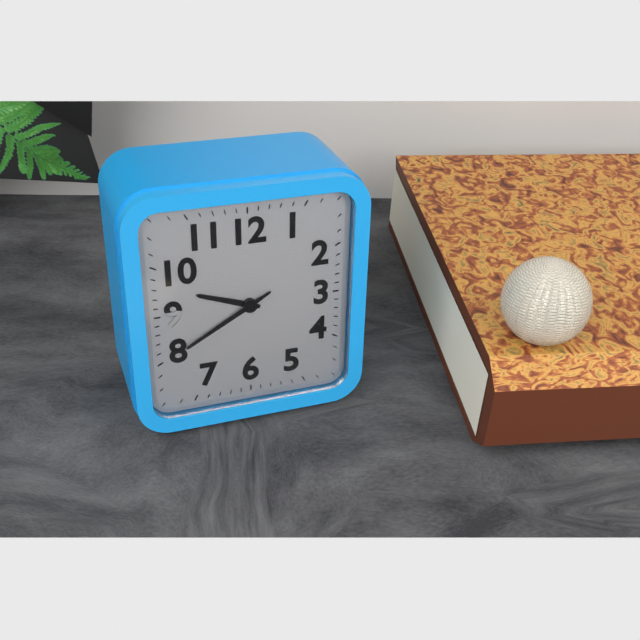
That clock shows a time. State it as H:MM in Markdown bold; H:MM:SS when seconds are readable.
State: **9:40**
